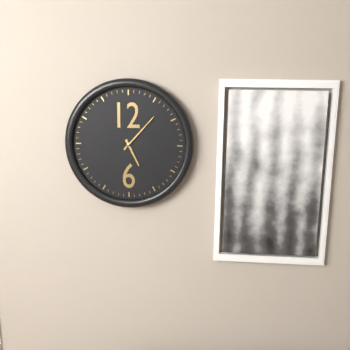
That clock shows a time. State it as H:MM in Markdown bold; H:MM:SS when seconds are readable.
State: **5:07**
